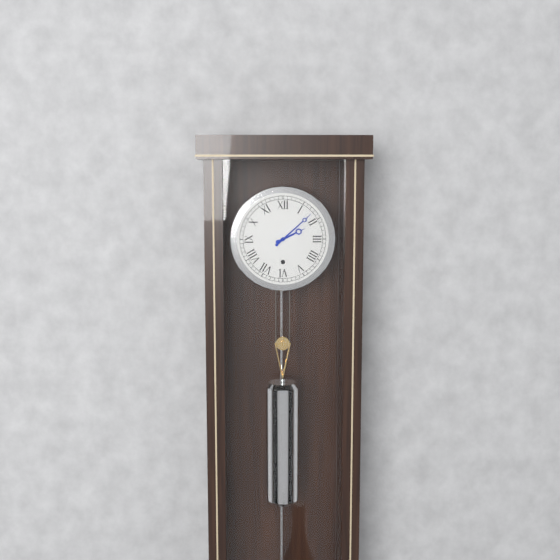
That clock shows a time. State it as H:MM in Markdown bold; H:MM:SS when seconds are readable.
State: **2:08**
